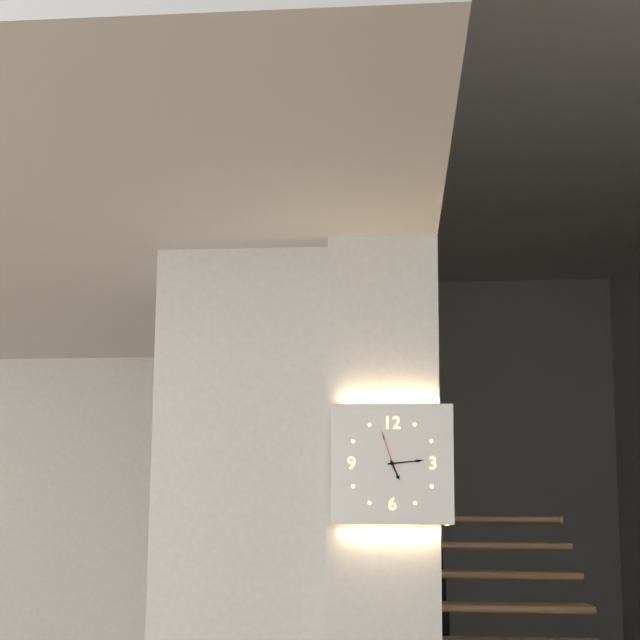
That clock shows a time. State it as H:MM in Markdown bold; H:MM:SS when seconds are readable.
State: **5:14**
